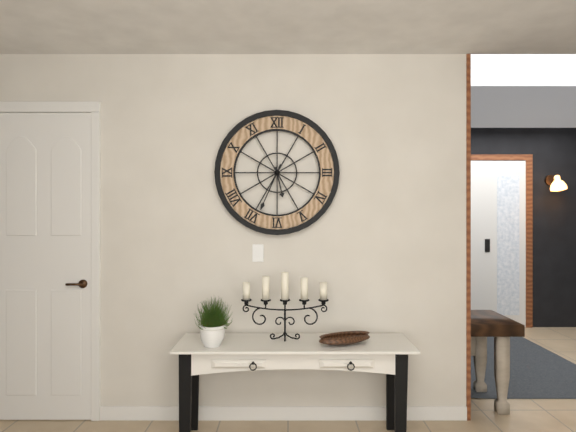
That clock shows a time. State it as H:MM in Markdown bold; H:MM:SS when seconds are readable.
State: **5:34**
